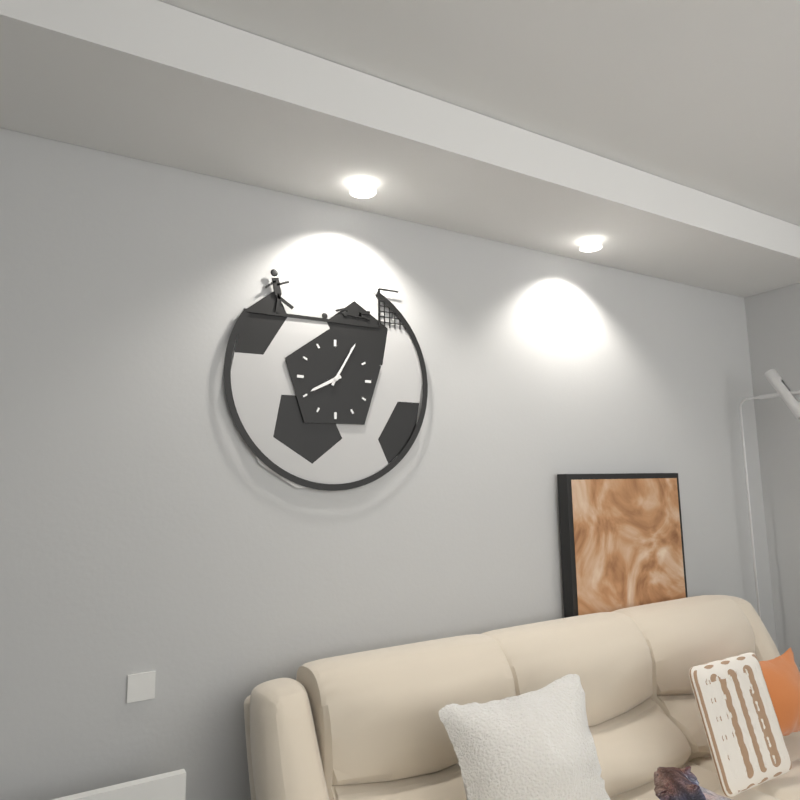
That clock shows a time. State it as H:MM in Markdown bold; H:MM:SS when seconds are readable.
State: **8:05**
